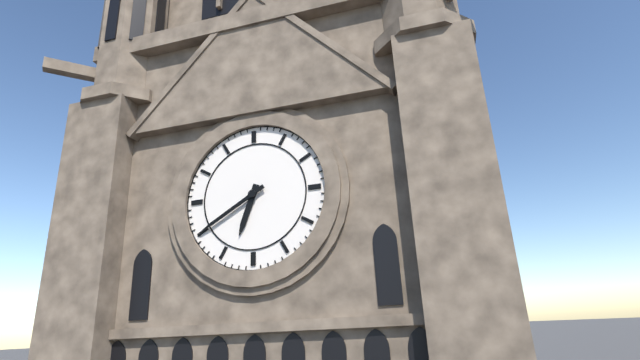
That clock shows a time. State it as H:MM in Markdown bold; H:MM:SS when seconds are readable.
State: **6:40**
